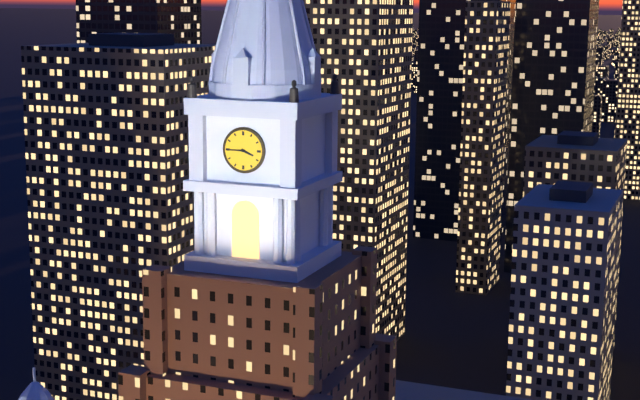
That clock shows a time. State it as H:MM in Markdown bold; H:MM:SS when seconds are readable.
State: **3:45**
